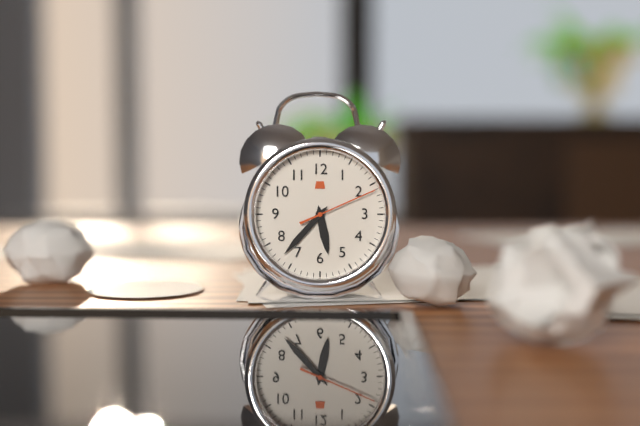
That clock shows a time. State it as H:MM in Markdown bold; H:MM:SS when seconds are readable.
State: **5:37:11**
